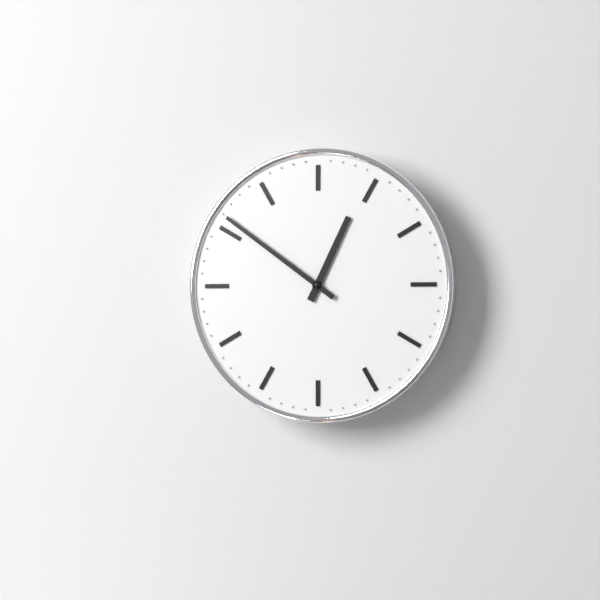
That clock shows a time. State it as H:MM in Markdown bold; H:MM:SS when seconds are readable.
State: **12:51**
